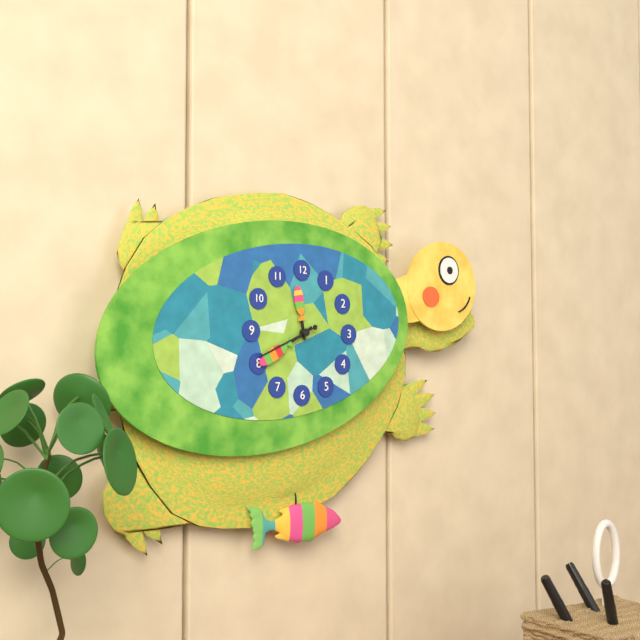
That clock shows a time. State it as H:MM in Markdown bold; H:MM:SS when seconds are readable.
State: **11:40:41**
